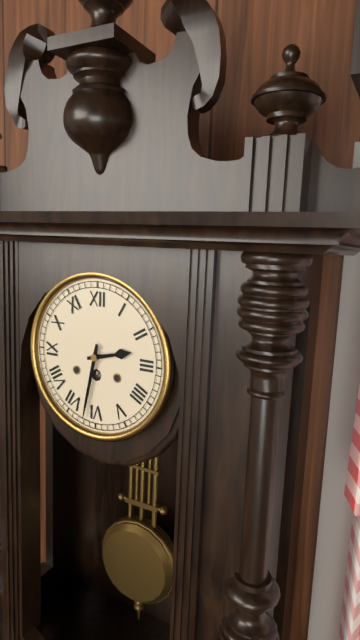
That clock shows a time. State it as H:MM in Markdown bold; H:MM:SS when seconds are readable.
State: **2:32**
